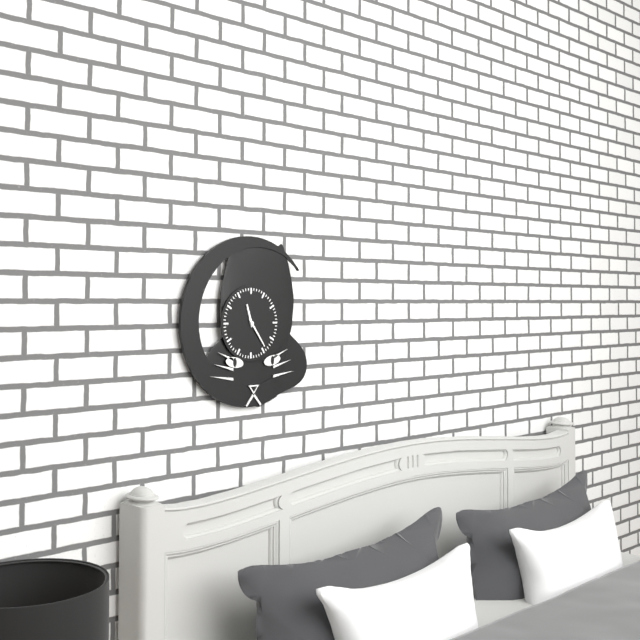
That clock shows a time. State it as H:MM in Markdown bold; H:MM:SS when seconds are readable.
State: **11:24**
